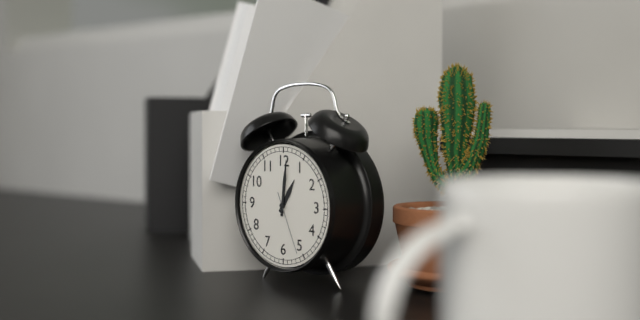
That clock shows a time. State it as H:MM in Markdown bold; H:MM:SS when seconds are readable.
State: **1:01:26**
